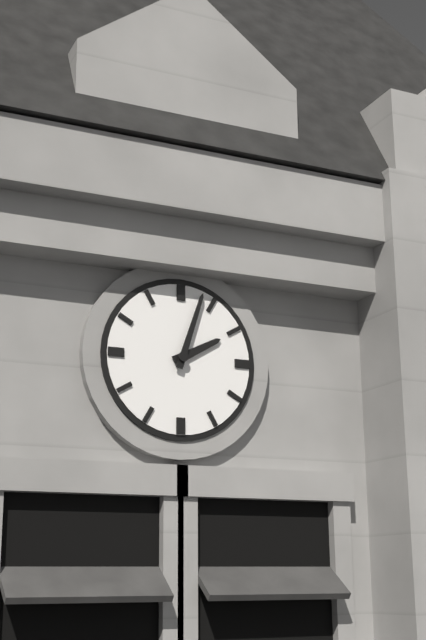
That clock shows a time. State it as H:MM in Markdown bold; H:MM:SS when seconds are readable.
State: **2:03**
